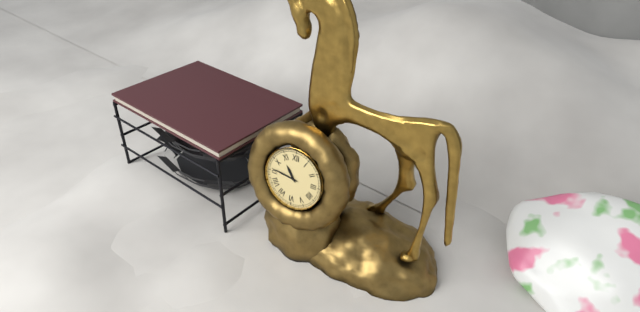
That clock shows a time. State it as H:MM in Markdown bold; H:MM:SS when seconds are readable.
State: **10:46**
